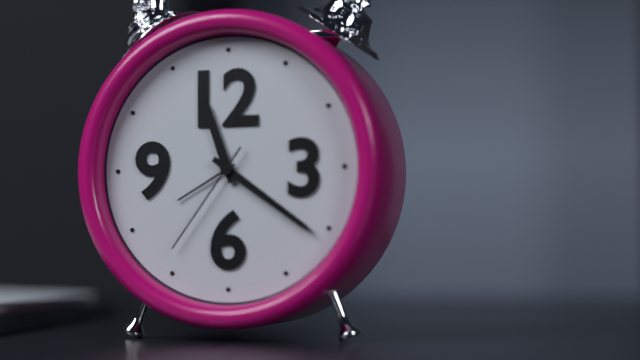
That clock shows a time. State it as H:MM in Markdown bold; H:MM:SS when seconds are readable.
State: **11:21:36**
